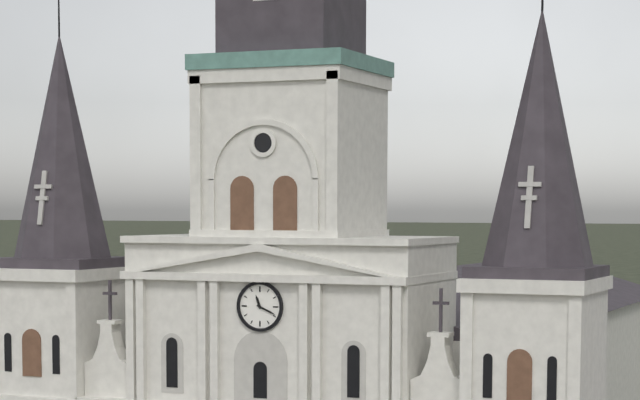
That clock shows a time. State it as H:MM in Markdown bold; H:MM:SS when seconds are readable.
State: **11:19**
